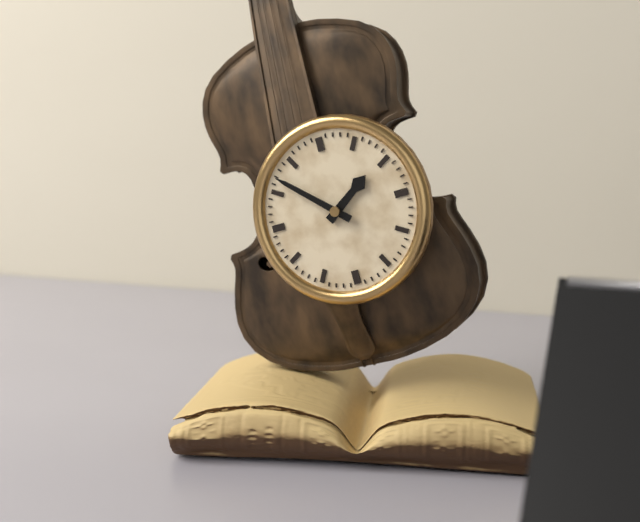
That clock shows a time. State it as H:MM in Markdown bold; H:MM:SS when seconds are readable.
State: **1:52**
